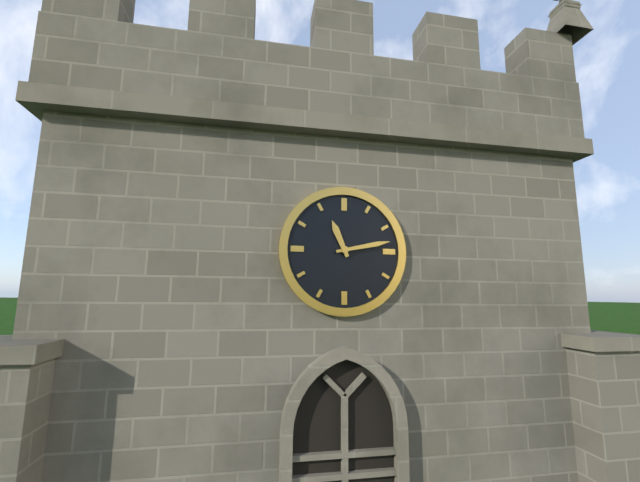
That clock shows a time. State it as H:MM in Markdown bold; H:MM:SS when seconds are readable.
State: **11:13**
